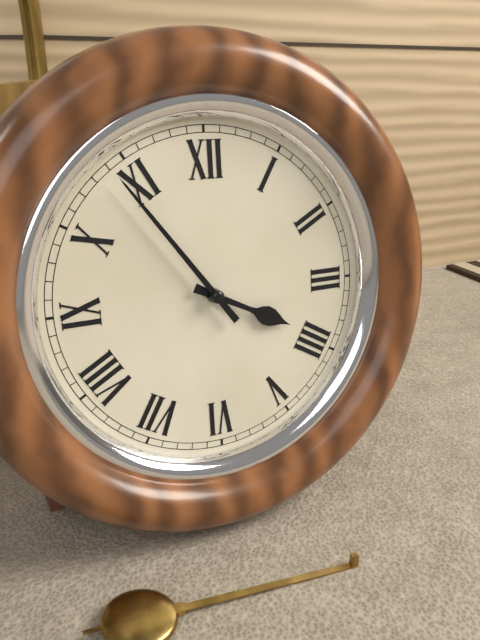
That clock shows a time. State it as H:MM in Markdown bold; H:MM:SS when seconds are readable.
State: **3:54**
